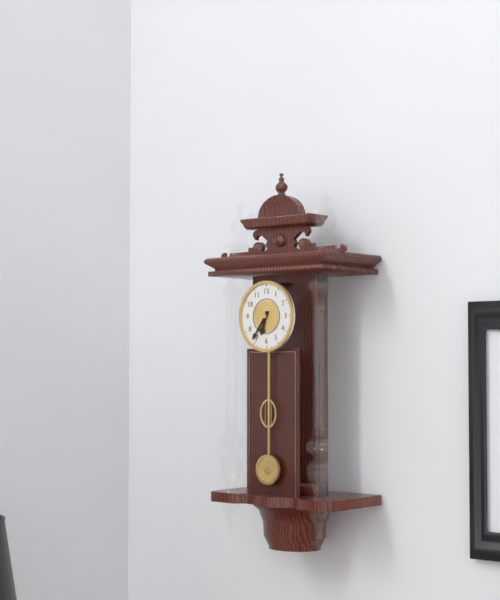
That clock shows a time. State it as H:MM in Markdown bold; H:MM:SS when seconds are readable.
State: **6:36**
